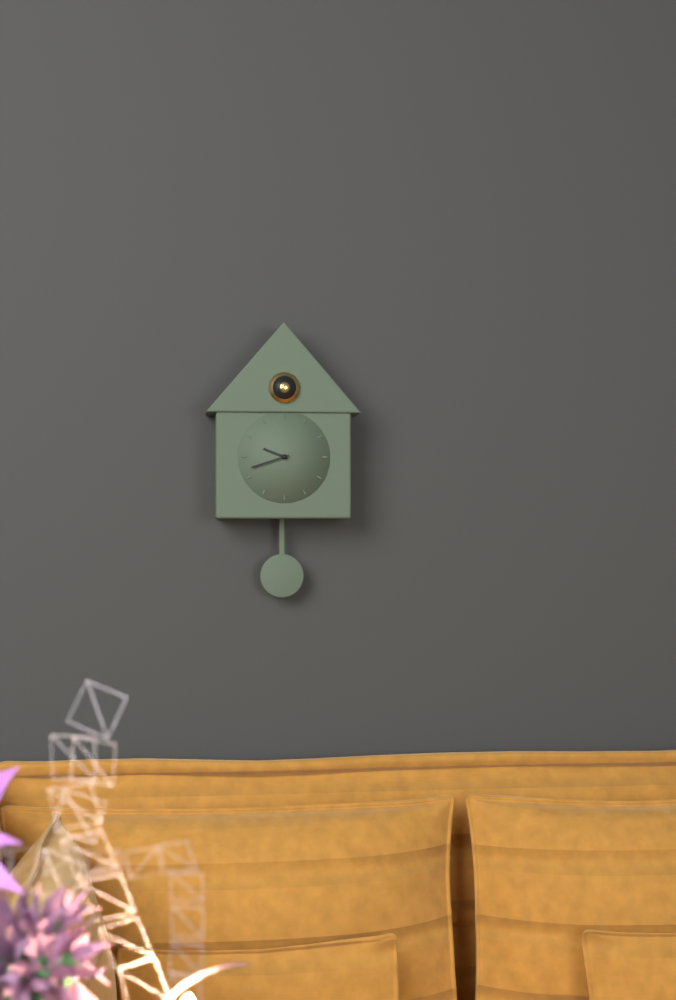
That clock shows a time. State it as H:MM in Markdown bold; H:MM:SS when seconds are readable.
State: **9:42**
